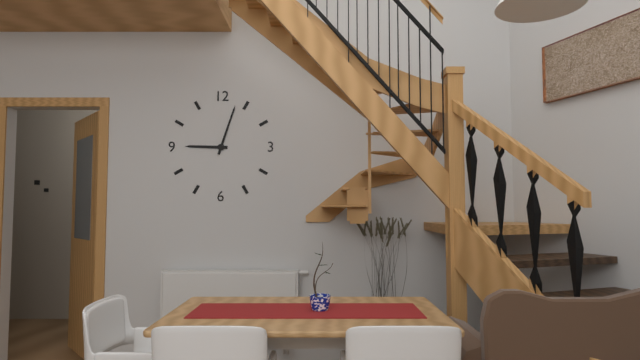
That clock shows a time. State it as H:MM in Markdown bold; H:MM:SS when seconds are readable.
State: **9:03**
